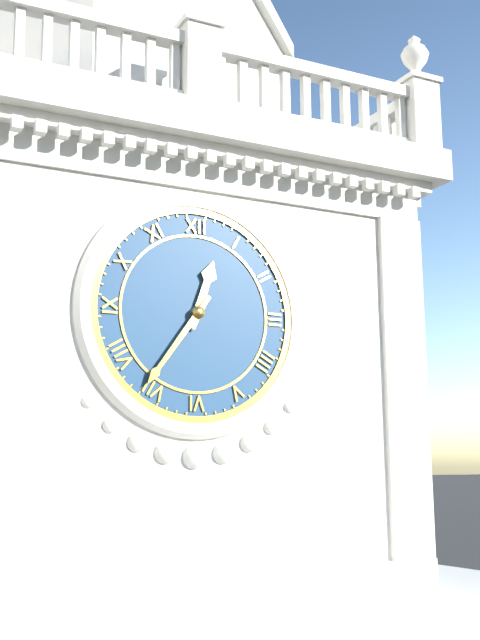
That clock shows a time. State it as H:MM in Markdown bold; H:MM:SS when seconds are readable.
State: **12:36**
